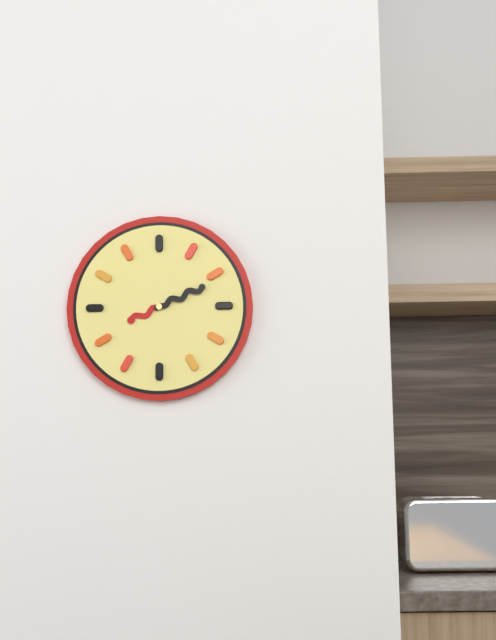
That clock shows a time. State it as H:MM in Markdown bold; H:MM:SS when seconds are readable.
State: **8:11**
